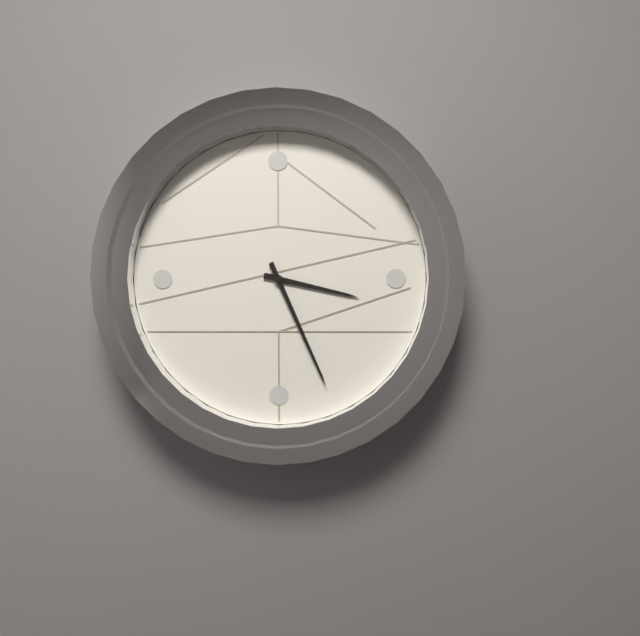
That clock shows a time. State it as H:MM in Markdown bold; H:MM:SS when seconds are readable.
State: **3:26**
